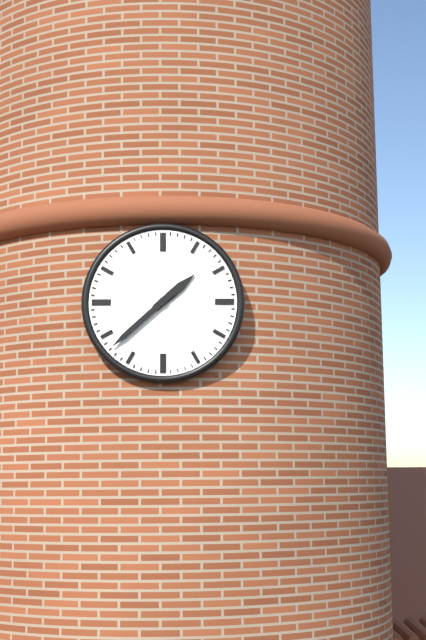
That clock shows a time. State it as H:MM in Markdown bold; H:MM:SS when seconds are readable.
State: **1:38**
